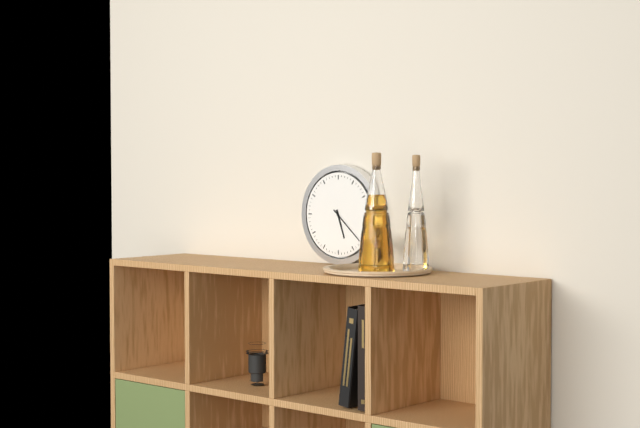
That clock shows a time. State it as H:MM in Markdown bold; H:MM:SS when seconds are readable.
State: **5:22**
